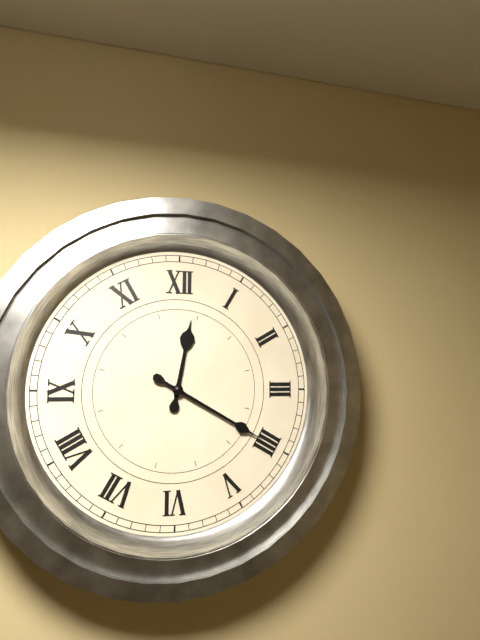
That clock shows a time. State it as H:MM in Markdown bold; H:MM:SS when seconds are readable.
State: **12:20**
